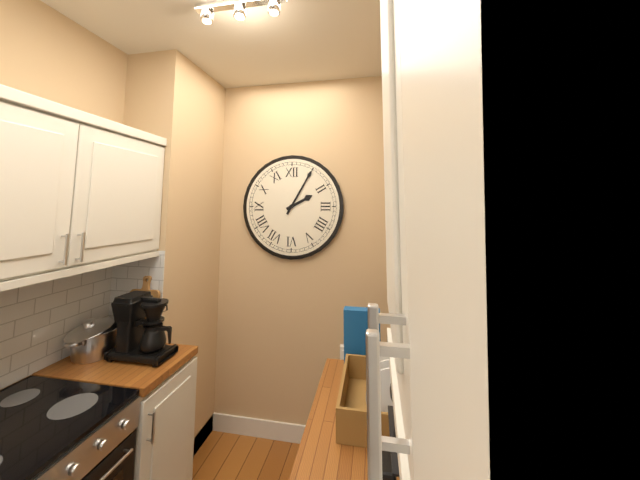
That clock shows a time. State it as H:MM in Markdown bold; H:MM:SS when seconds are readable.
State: **2:05**
